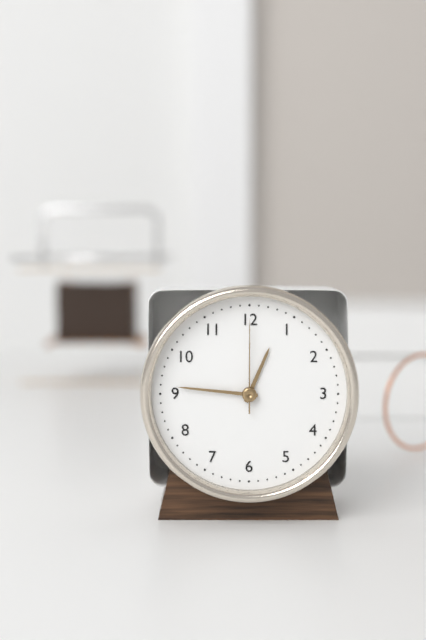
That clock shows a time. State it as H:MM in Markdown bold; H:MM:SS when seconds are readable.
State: **12:46:00**
